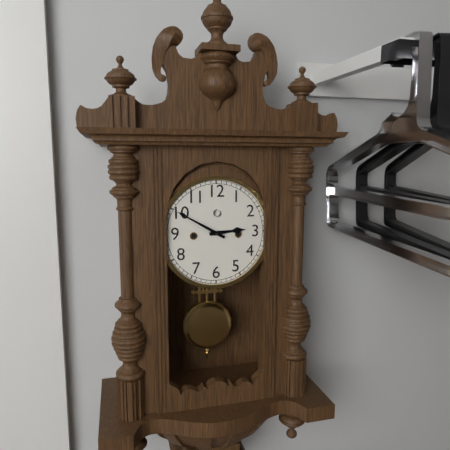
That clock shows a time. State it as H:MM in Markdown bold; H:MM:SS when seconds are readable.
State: **2:50**
